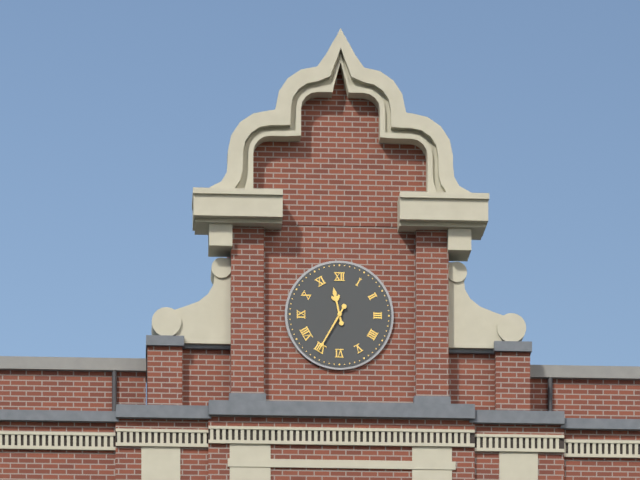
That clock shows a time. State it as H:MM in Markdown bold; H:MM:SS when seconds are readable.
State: **11:35**
